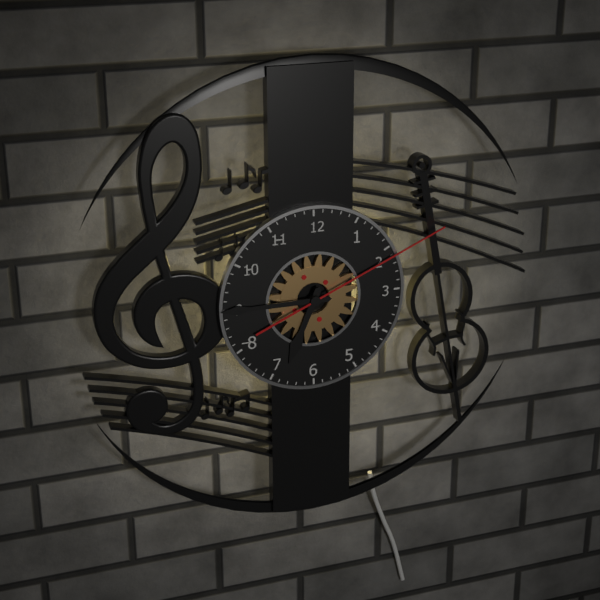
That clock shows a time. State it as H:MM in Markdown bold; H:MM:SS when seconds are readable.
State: **6:45:11**
